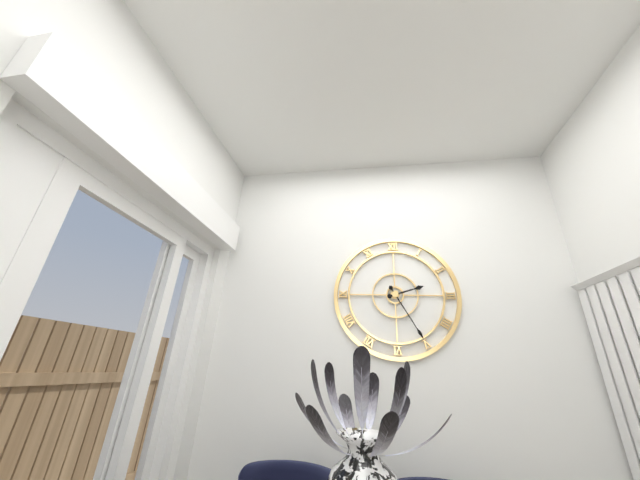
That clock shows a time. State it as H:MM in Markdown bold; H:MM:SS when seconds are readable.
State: **2:25**
